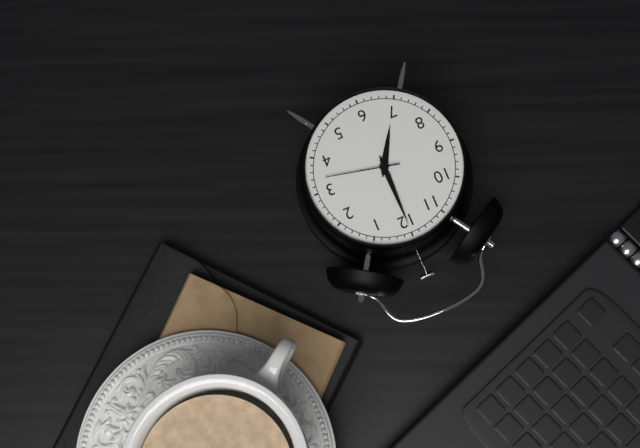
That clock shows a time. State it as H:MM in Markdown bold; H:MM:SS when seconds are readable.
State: **7:00:17**
